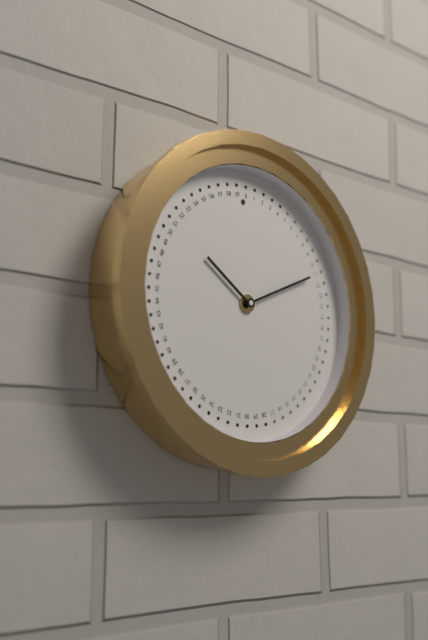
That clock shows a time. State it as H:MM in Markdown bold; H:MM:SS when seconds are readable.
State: **10:11**
